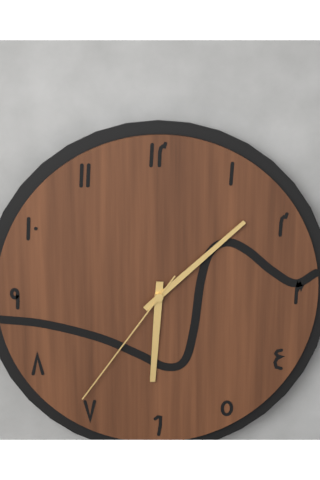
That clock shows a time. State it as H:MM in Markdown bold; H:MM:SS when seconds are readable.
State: **6:08:36**
